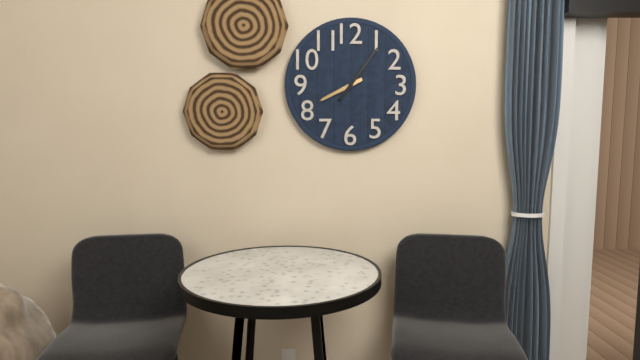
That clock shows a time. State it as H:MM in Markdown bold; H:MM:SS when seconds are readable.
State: **8:06**
